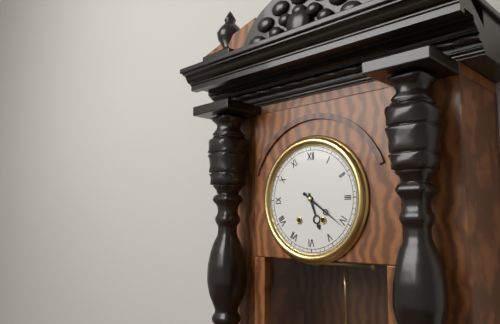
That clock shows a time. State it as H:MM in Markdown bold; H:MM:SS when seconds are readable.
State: **5:21**
